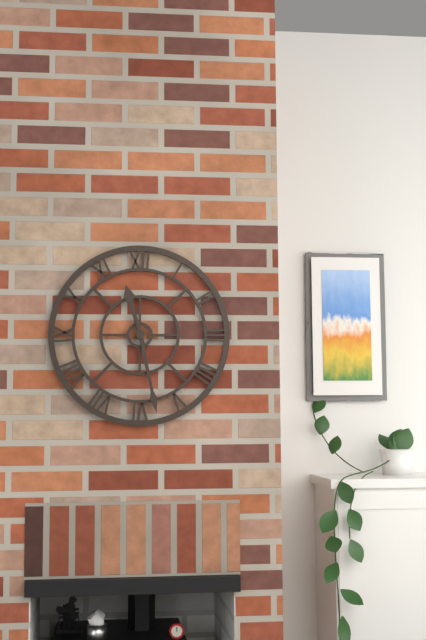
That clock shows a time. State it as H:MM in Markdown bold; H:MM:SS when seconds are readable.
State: **11:28**
